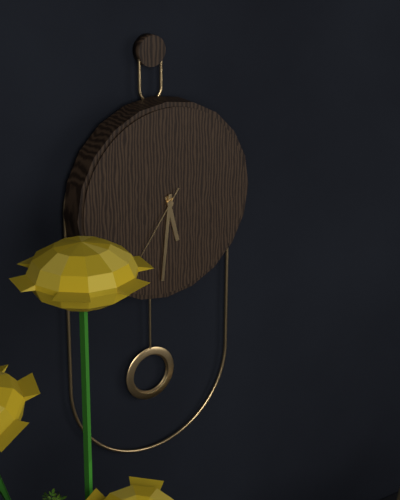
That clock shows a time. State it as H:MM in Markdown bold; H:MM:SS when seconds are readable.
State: **5:31:36**
